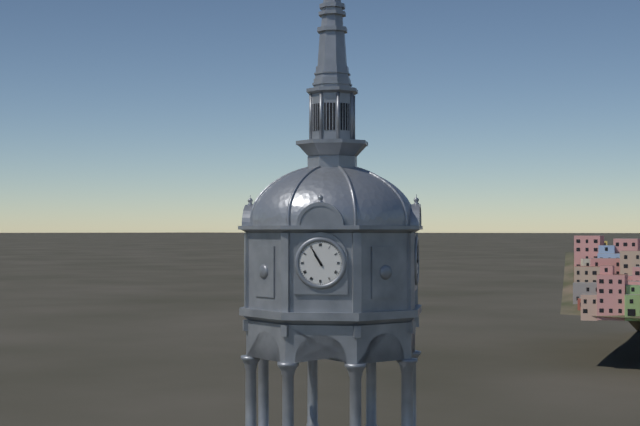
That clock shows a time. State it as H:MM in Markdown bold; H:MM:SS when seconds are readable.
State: **10:55**
